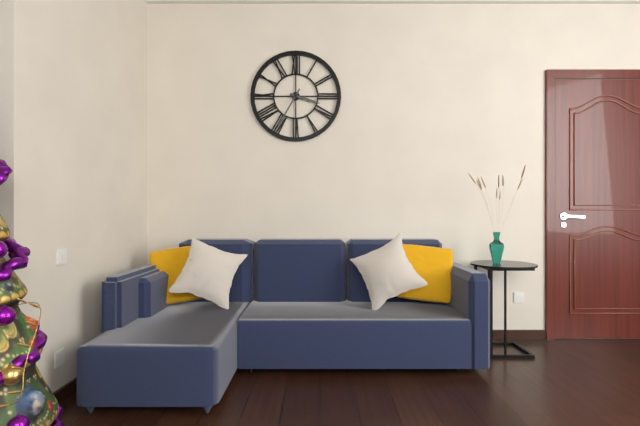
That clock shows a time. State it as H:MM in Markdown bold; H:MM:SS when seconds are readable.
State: **3:35**
